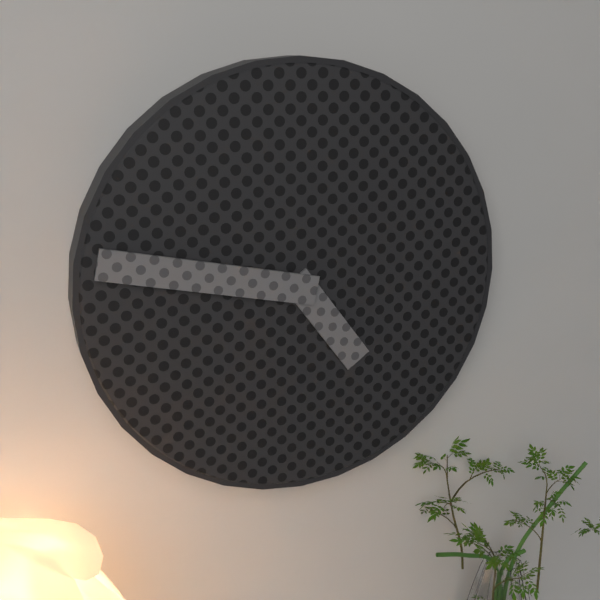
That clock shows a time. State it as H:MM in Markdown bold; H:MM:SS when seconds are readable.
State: **4:47**
